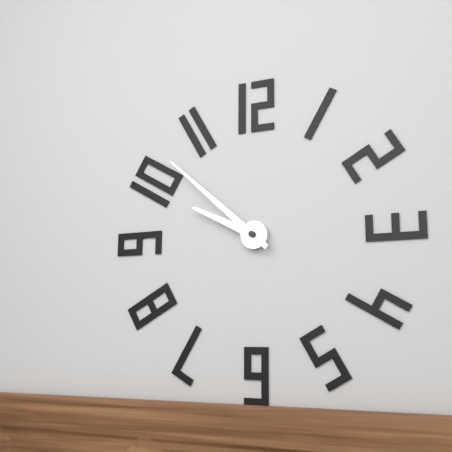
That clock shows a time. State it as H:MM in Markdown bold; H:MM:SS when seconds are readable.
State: **9:52**
